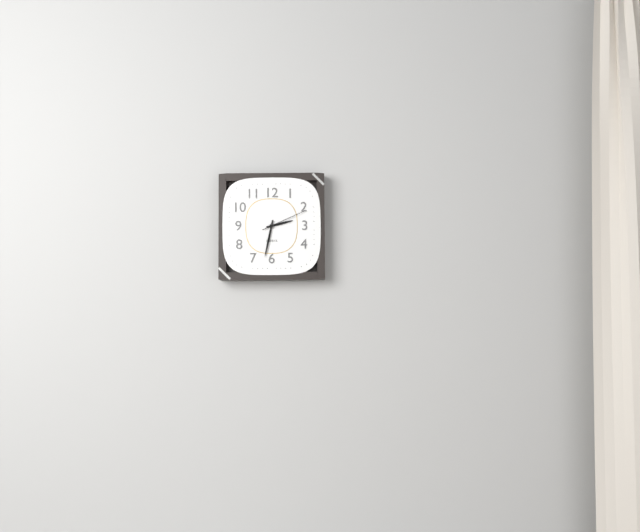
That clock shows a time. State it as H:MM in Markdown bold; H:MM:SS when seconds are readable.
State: **2:32**
